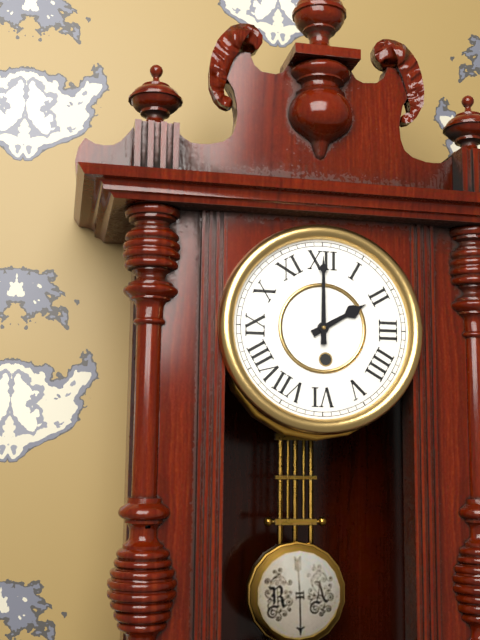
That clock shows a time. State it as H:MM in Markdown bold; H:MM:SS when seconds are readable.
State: **2:00**
